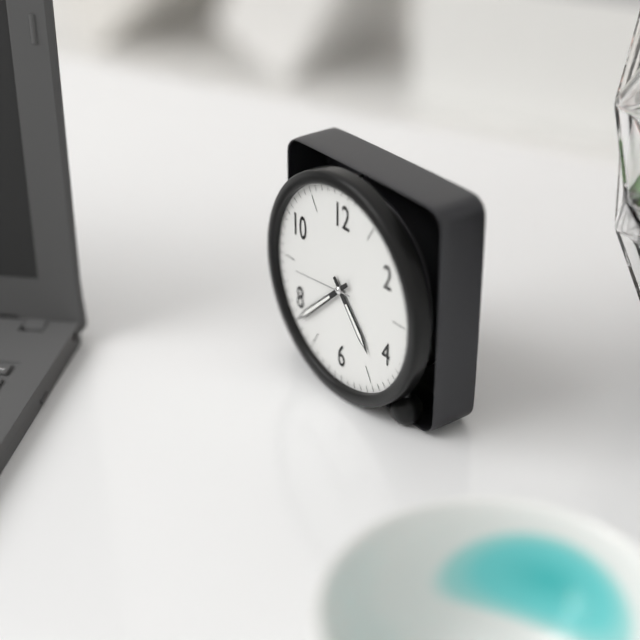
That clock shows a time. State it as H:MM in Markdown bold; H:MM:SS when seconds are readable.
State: **4:38:44**
